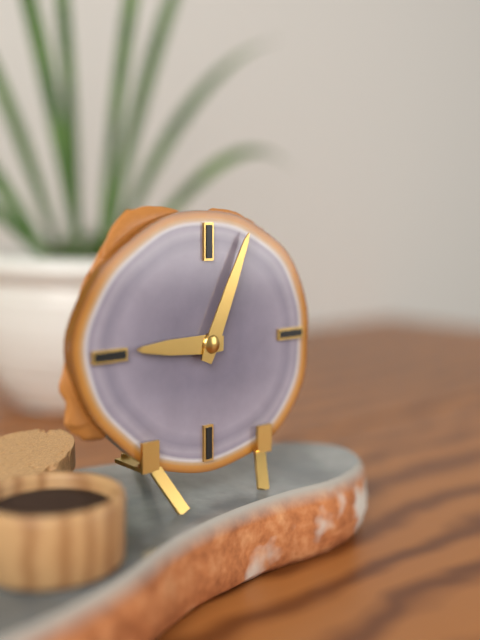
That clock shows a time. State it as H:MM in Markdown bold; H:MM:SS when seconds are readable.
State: **9:04**
